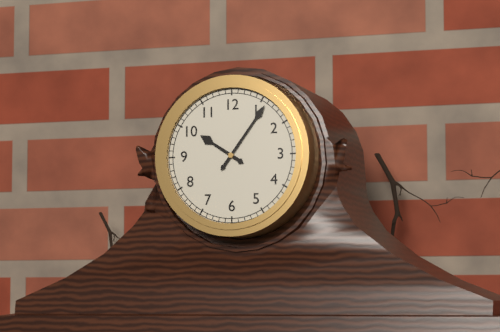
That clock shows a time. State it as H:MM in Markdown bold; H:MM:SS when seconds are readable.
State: **10:06**
